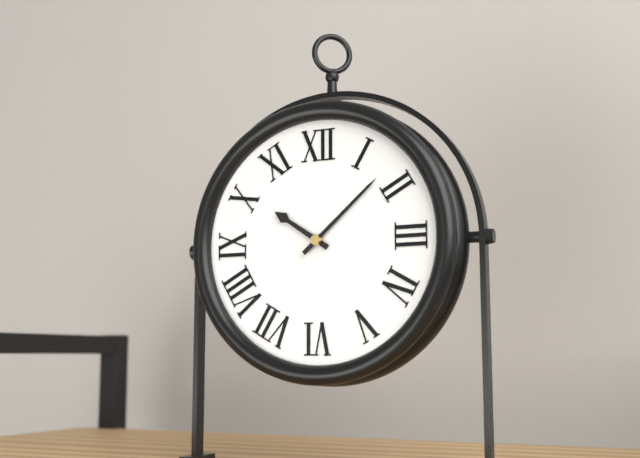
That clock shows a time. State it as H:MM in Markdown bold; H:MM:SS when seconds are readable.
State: **10:08**
